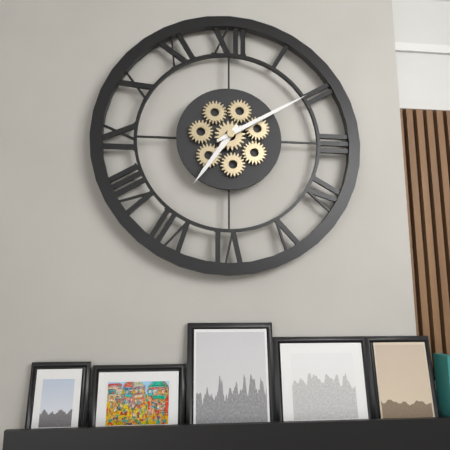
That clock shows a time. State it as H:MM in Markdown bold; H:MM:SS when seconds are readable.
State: **7:10**
